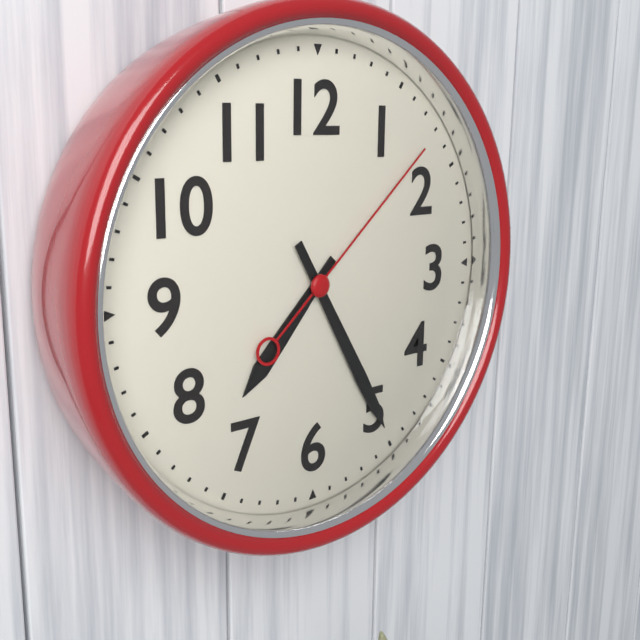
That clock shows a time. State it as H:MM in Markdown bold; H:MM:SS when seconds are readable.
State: **7:25:08**
